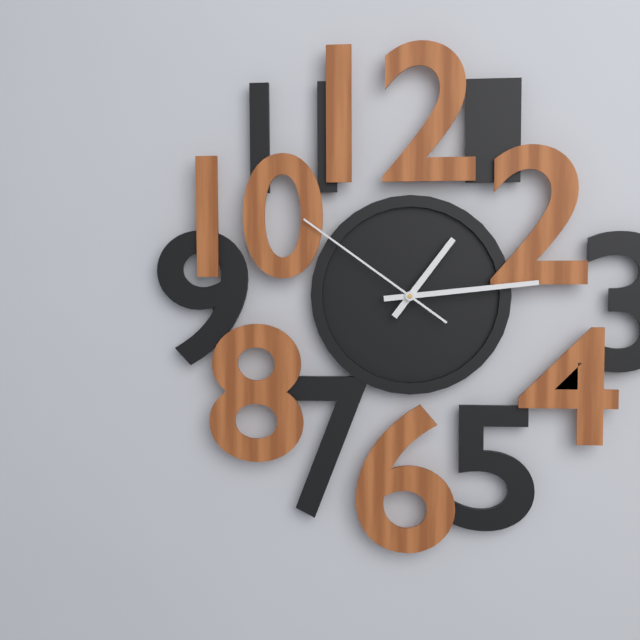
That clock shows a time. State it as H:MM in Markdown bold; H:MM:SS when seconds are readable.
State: **1:14:51**
